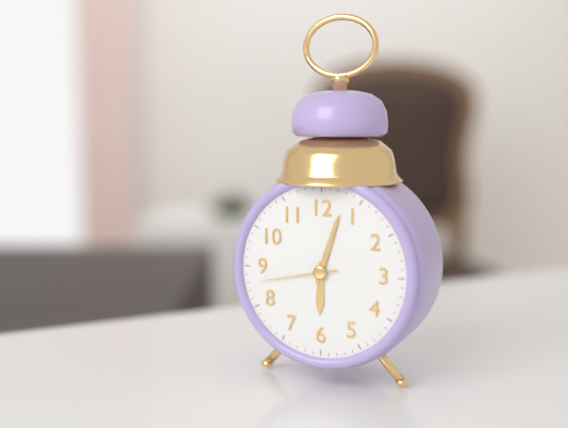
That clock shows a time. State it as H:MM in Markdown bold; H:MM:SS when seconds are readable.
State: **6:03:43**
